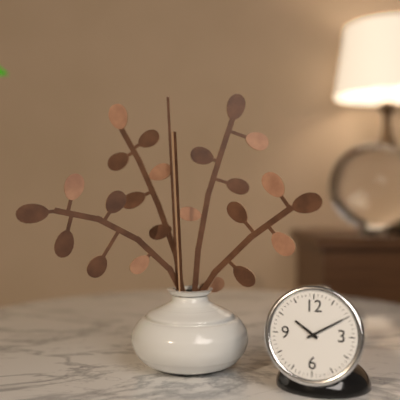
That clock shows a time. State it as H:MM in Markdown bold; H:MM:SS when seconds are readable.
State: **10:10**
